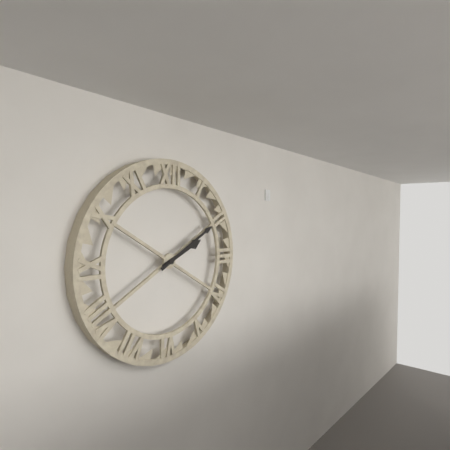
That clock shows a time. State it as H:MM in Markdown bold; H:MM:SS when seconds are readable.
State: **2:10**
